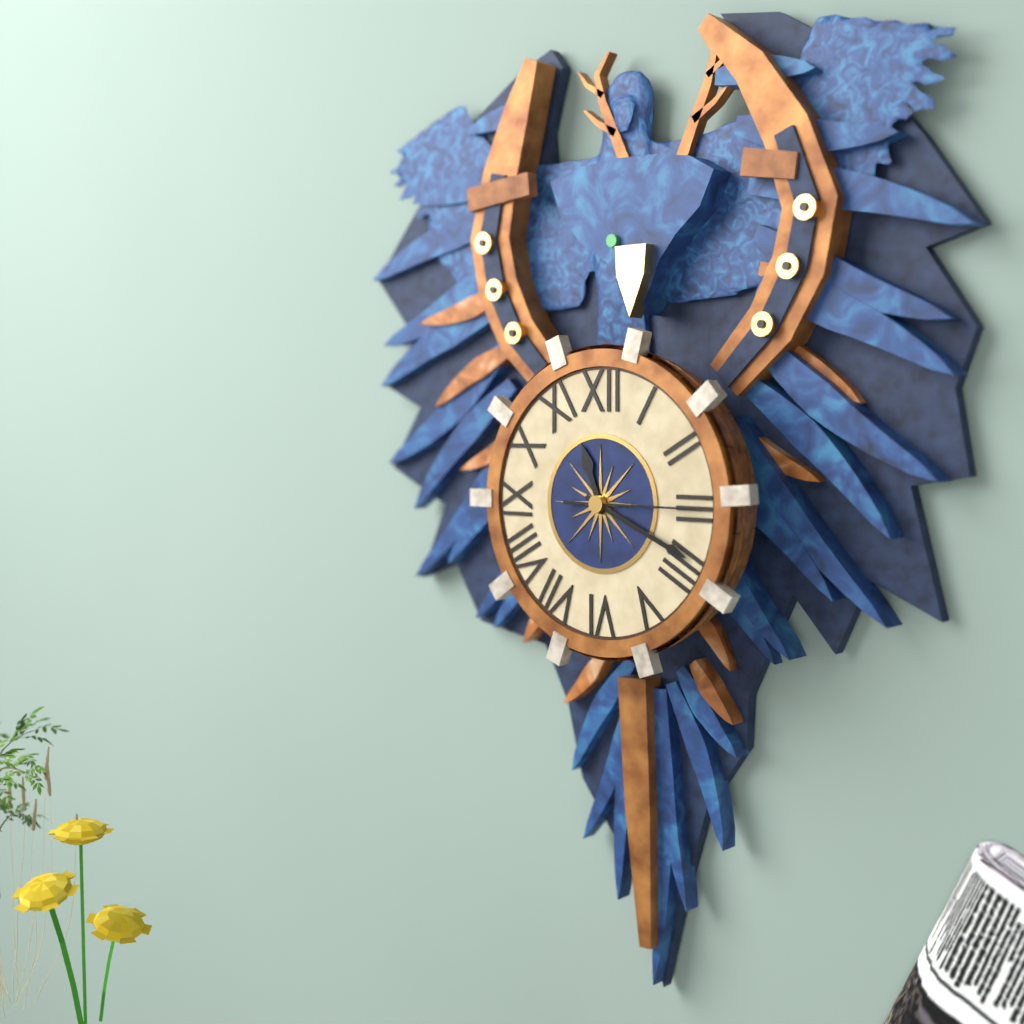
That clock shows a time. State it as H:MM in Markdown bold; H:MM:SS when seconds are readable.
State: **11:19:15**
